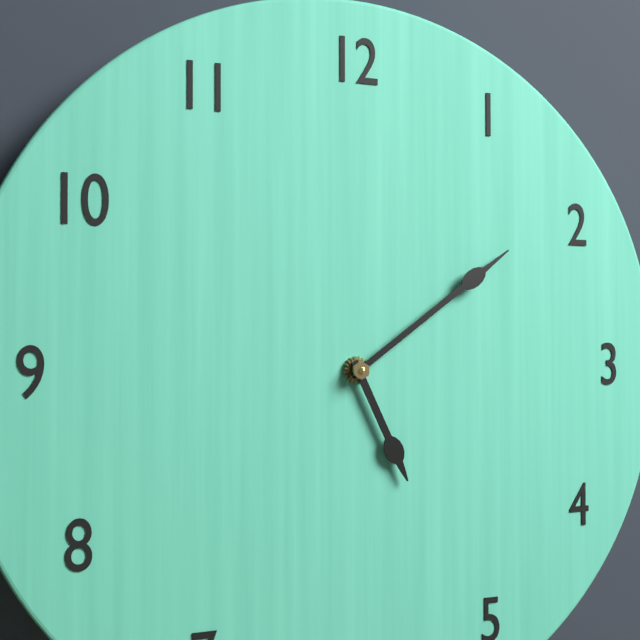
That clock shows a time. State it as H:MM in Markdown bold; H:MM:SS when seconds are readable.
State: **5:09**
